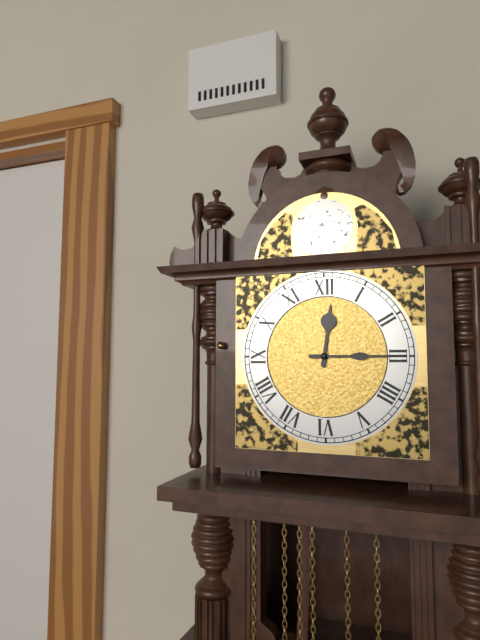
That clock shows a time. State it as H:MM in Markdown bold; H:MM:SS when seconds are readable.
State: **12:15**
